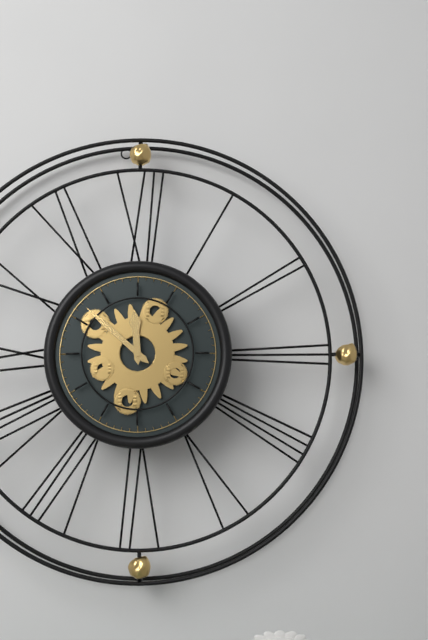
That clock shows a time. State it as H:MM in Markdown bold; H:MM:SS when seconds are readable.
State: **11:52**
